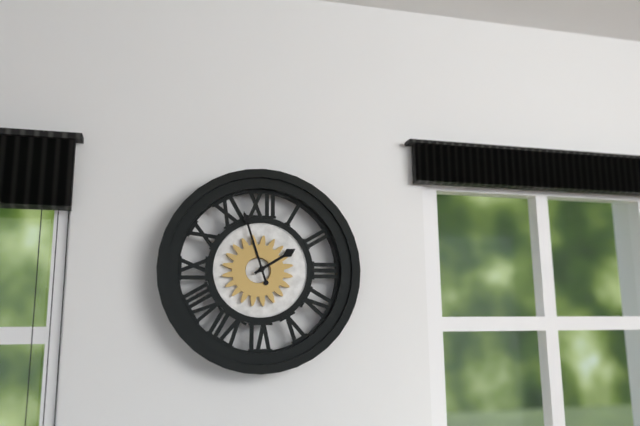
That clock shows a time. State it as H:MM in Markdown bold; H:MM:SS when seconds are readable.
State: **1:57**
